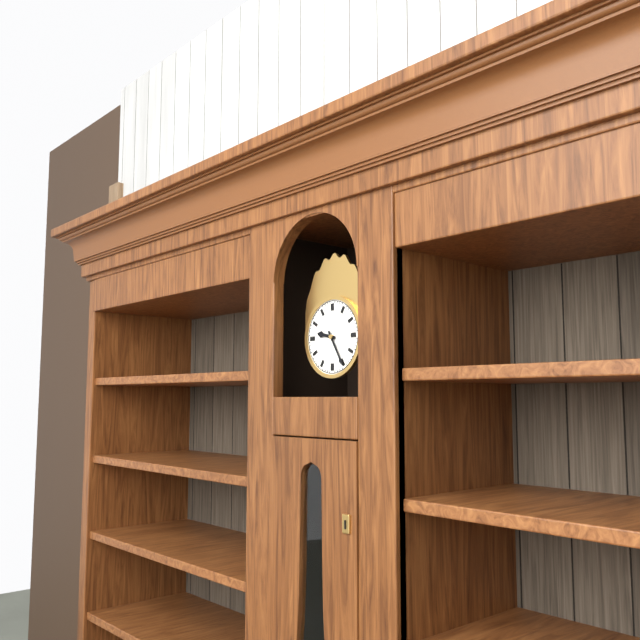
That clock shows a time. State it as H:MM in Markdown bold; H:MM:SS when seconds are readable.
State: **9:25**
